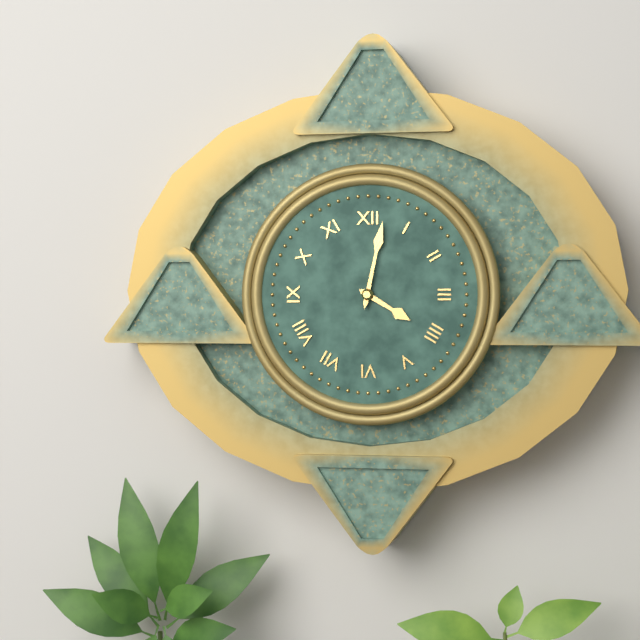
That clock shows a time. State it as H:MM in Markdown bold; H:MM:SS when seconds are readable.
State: **4:02**
